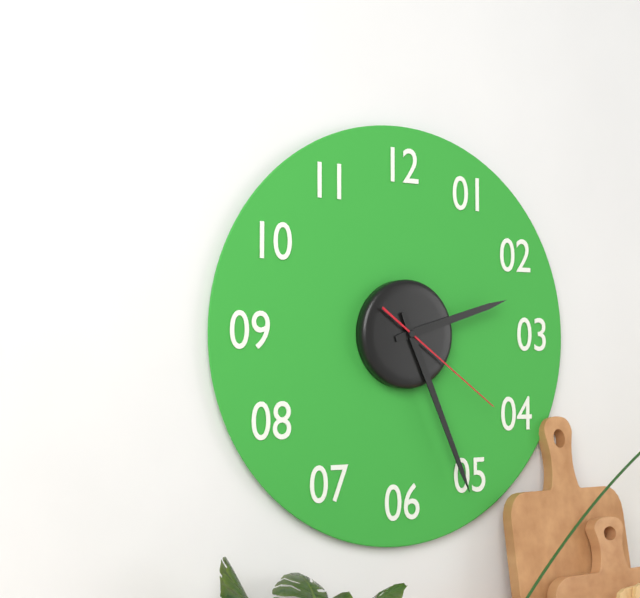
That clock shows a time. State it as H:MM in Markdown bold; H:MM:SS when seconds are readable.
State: **2:26:21**
